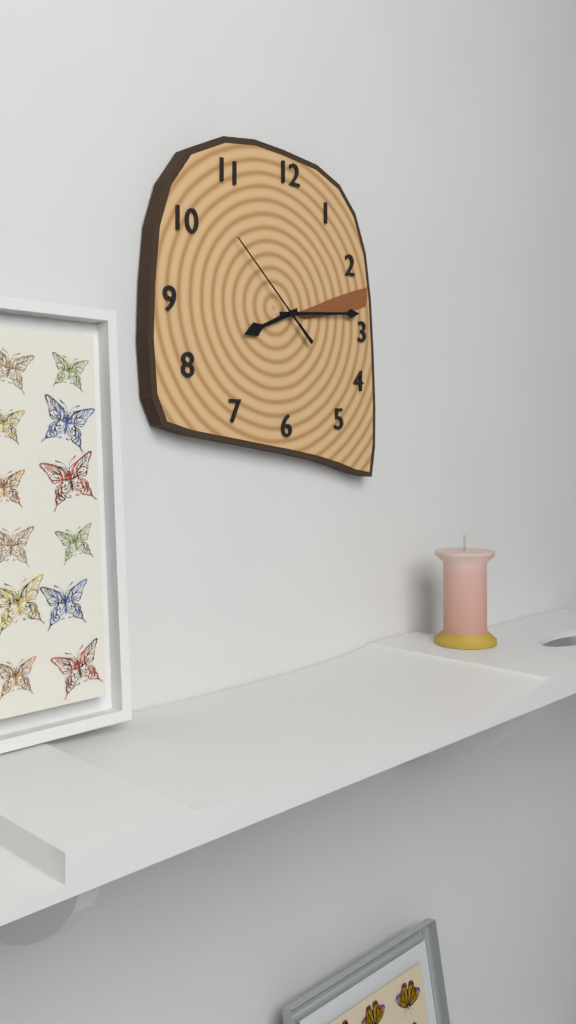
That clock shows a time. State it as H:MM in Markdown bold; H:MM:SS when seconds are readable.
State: **8:14:52**
